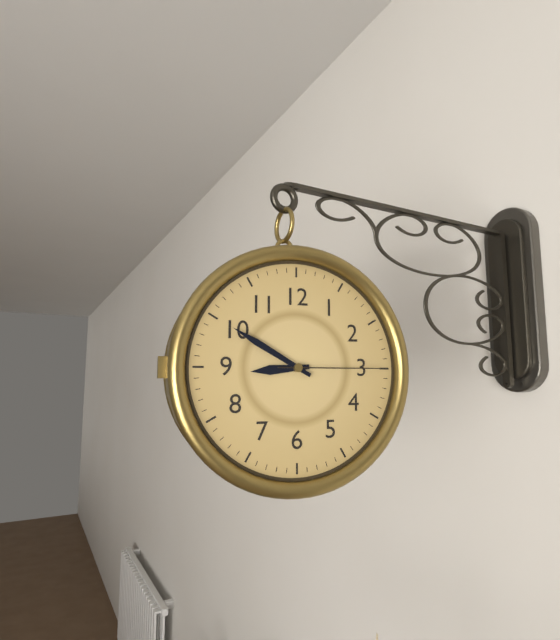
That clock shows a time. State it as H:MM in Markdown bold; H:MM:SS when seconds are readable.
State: **8:50:15**
